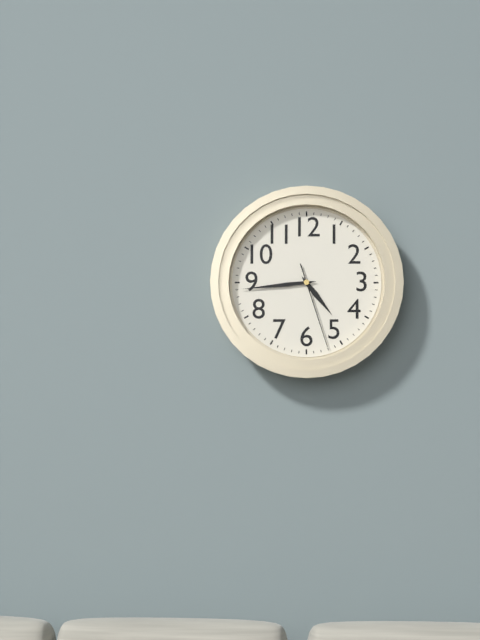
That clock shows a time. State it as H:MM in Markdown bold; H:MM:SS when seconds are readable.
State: **4:44:27**
